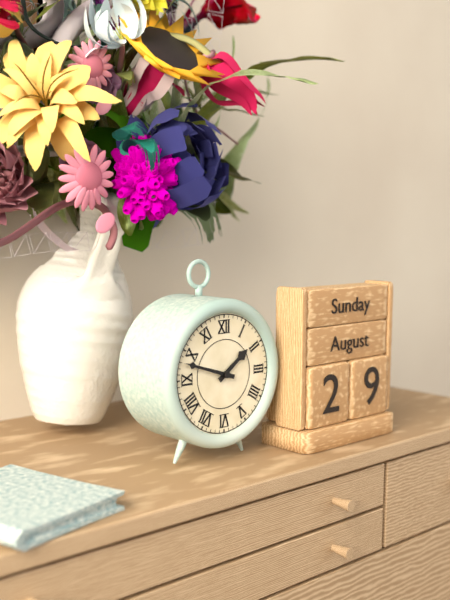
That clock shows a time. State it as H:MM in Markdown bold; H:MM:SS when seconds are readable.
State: **1:48**
